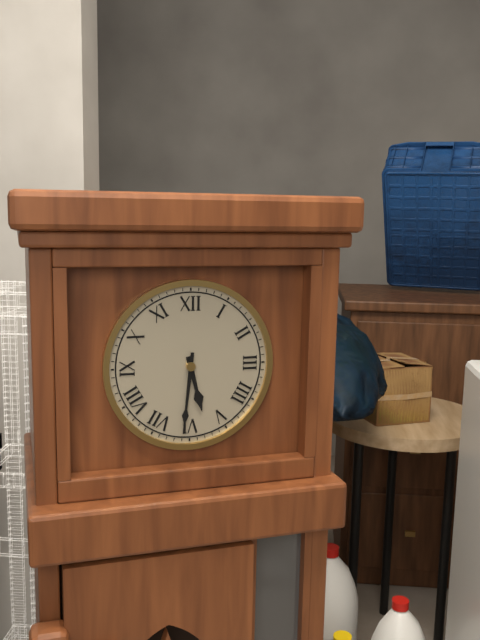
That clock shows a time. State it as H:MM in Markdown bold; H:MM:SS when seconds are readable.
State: **5:31**
